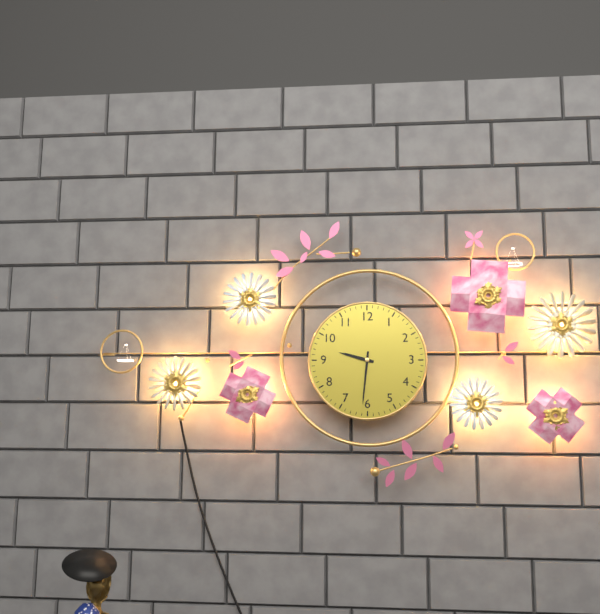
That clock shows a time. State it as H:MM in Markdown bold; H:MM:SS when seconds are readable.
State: **9:31**
